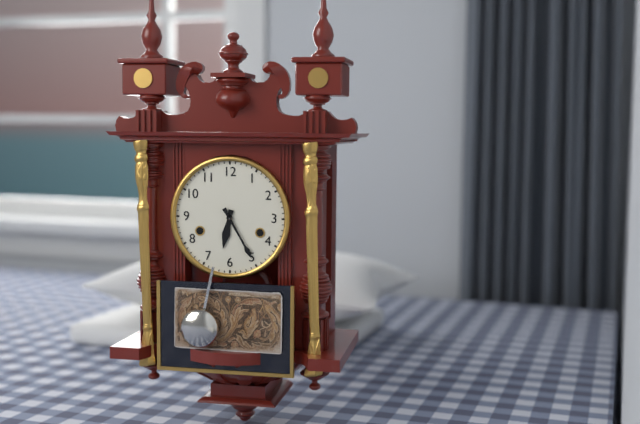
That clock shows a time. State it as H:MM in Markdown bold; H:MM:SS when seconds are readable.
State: **6:25**
